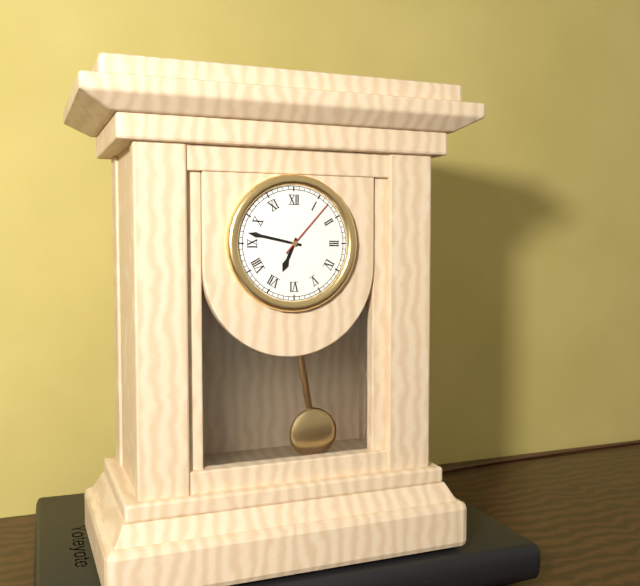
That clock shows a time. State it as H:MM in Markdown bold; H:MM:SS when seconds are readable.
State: **6:47:07**
